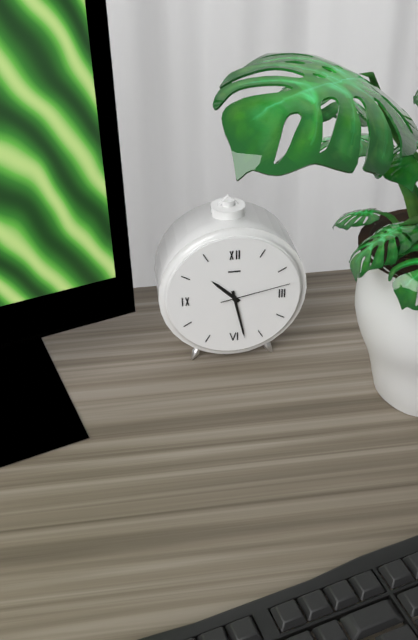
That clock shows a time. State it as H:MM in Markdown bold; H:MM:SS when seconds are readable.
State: **10:28:13**
